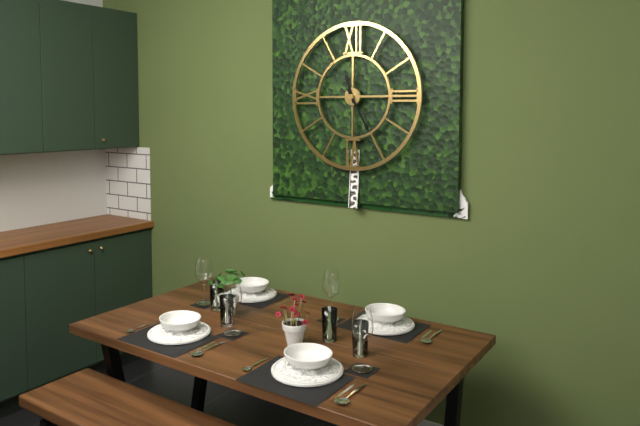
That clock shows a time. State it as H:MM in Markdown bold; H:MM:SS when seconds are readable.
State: **11:25**
